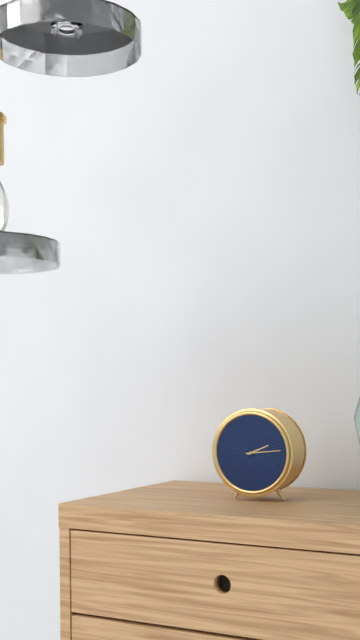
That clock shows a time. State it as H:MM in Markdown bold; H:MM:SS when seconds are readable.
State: **2:14**
